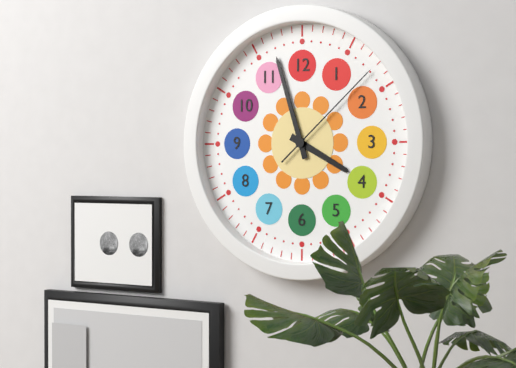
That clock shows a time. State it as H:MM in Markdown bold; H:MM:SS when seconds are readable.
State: **3:57:08**
